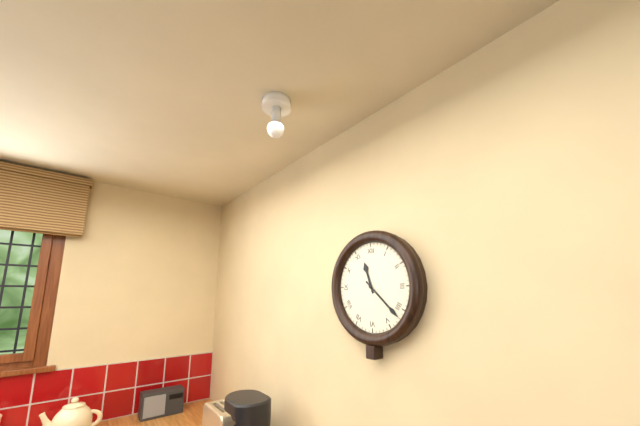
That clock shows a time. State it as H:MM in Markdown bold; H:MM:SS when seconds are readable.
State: **11:22**
